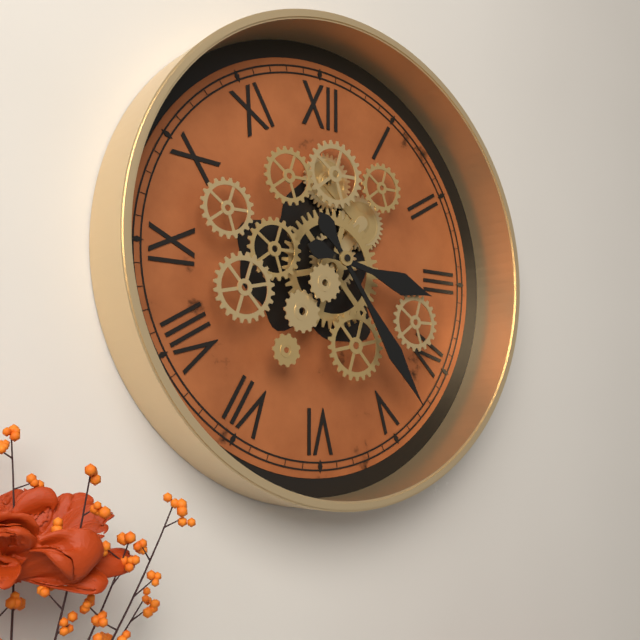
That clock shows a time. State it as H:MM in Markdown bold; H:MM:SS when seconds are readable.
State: **3:24**
